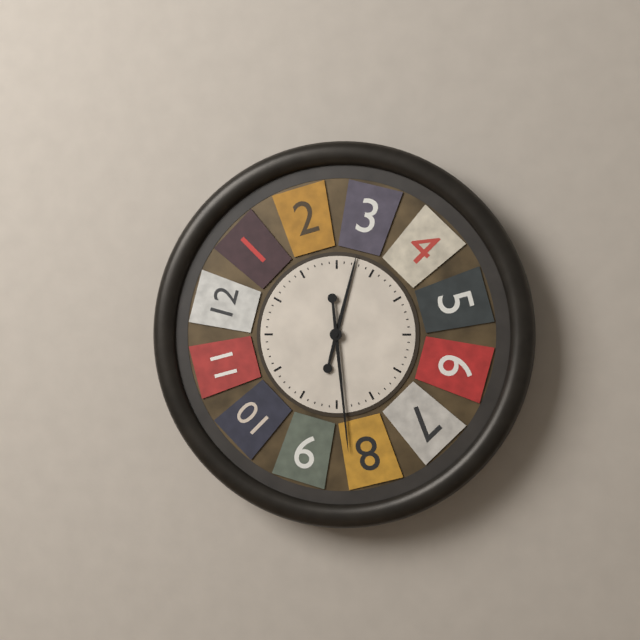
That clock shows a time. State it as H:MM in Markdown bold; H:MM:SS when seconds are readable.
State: **12:29**
